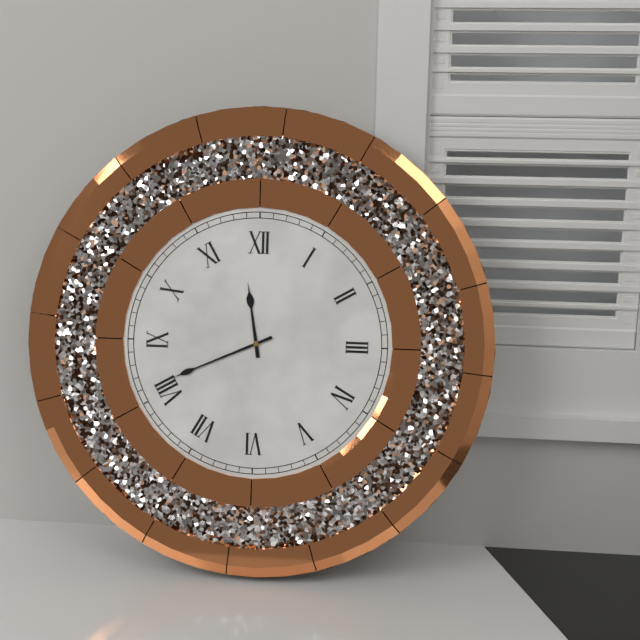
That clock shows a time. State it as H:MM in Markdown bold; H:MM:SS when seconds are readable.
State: **11:41**
